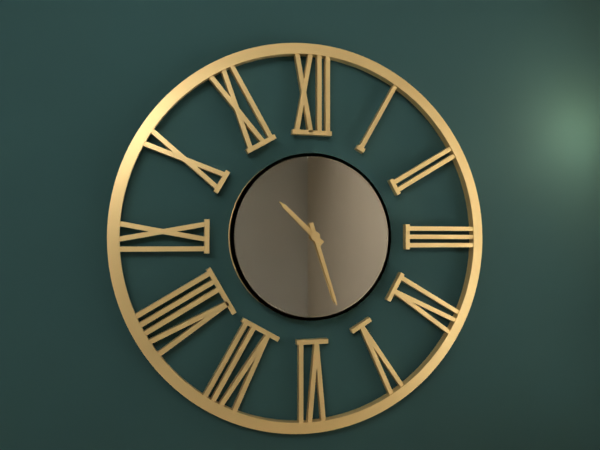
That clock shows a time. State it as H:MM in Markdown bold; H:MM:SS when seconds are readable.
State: **10:27**
